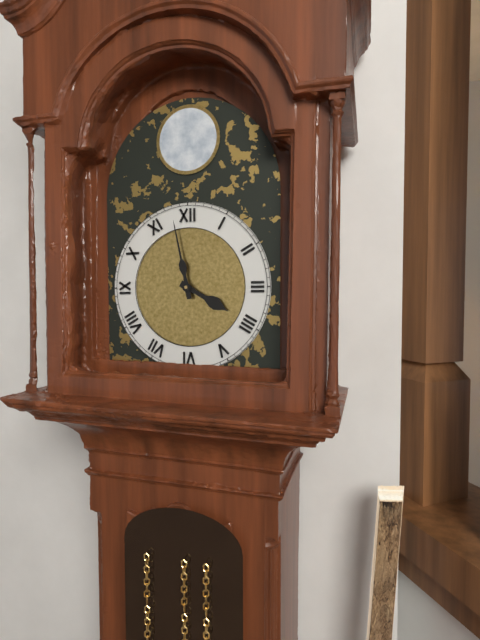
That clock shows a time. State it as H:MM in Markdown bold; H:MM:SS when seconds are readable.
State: **3:58**
